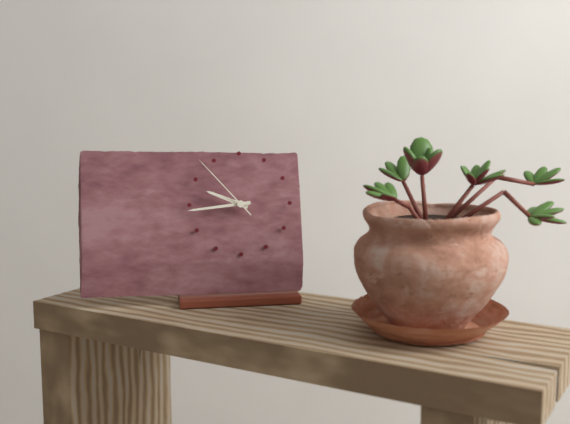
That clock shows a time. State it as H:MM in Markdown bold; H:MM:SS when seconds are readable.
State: **9:44:53**
